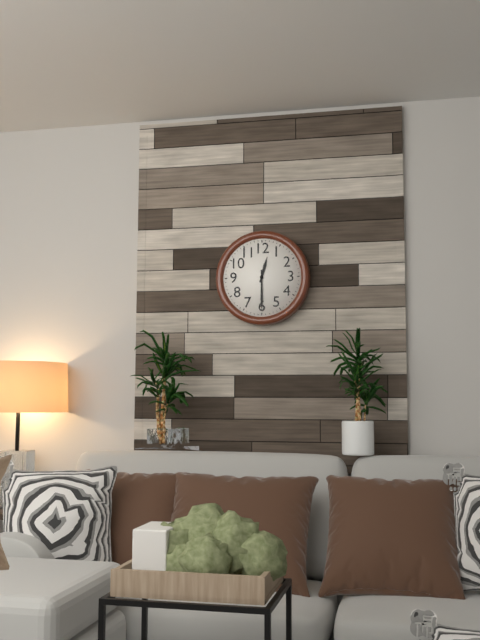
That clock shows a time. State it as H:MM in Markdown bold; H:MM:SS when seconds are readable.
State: **12:30**
